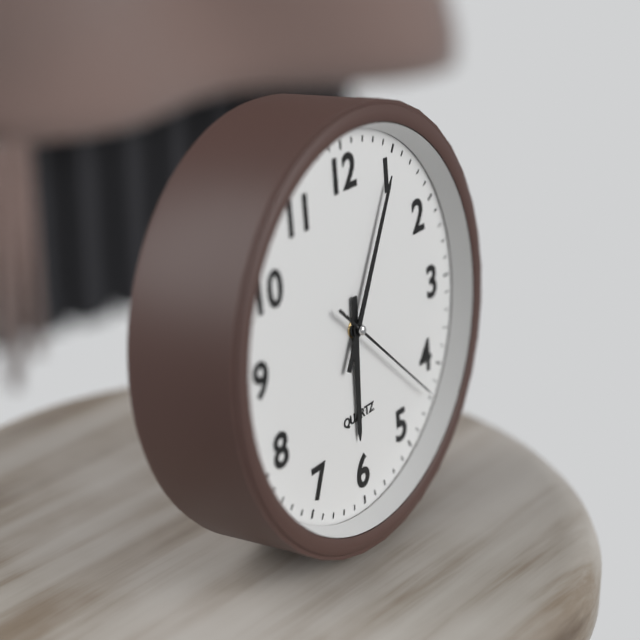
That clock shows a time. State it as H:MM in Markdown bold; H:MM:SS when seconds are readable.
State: **6:05:22**
